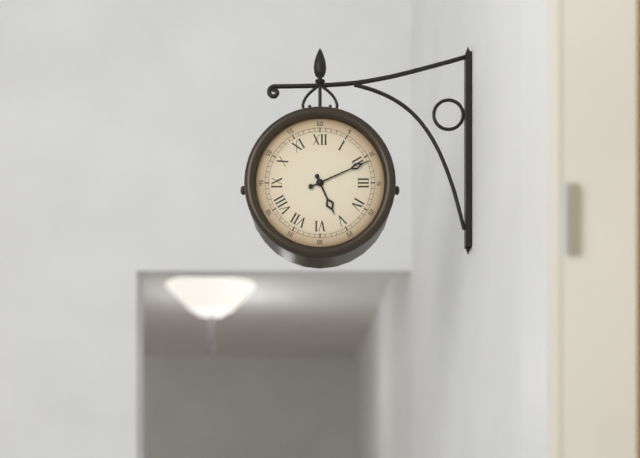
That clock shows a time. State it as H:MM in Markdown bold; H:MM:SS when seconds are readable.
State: **5:11**
